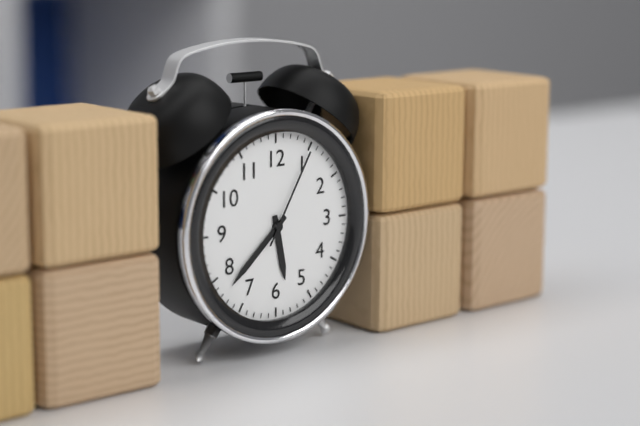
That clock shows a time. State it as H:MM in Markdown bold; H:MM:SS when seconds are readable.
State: **5:38:05**
